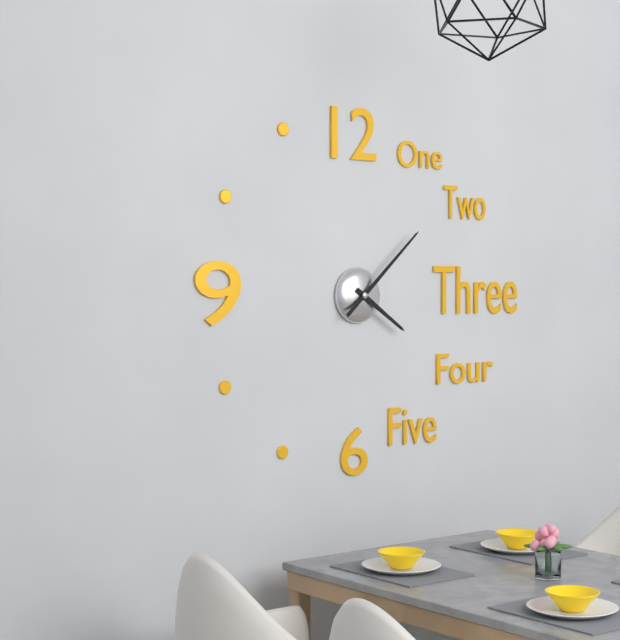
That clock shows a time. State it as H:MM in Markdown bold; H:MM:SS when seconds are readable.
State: **4:08**
